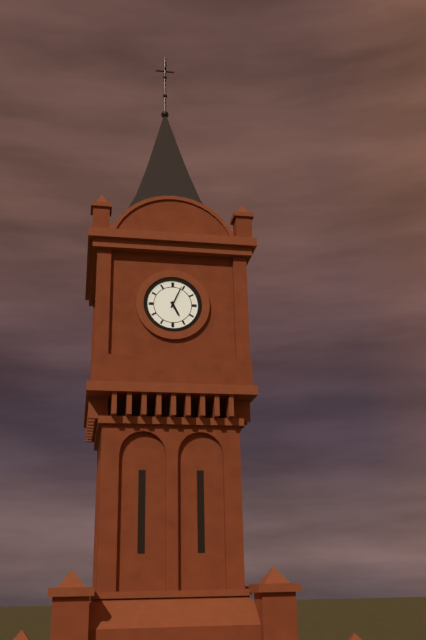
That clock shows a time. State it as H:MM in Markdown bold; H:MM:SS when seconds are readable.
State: **5:04**
